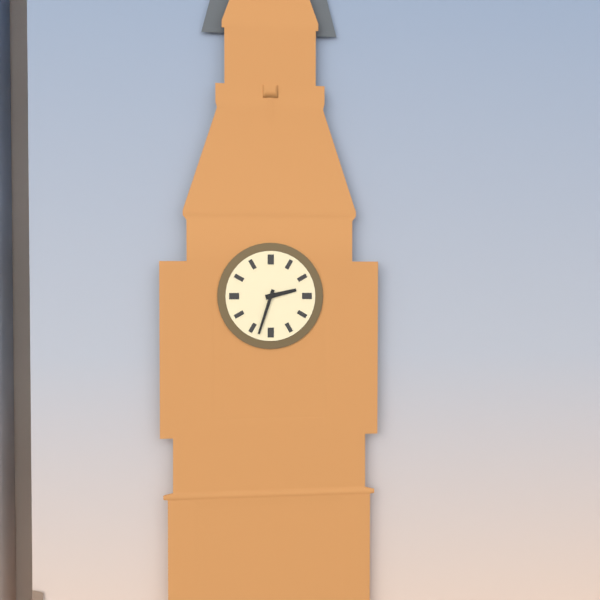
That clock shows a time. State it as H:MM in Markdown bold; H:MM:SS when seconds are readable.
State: **2:33**
